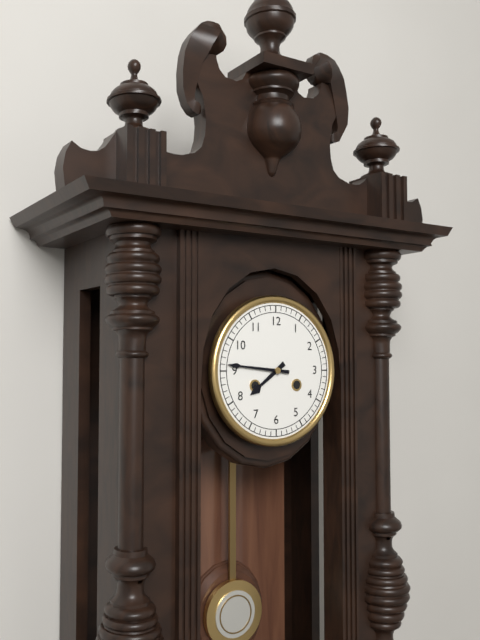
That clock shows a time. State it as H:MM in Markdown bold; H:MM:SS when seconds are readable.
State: **7:46**
